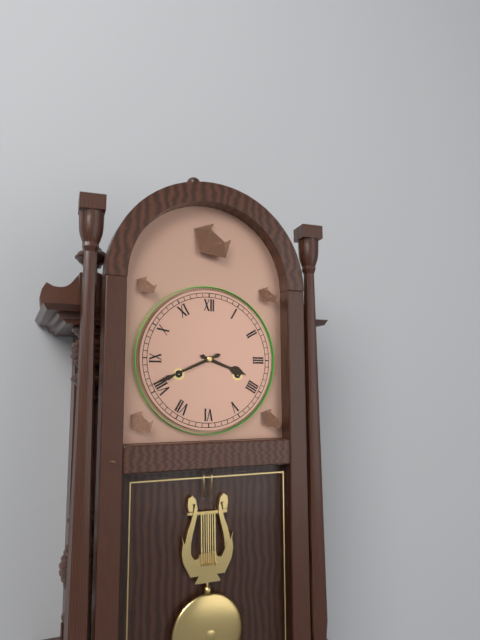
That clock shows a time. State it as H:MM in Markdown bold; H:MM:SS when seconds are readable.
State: **3:41**
